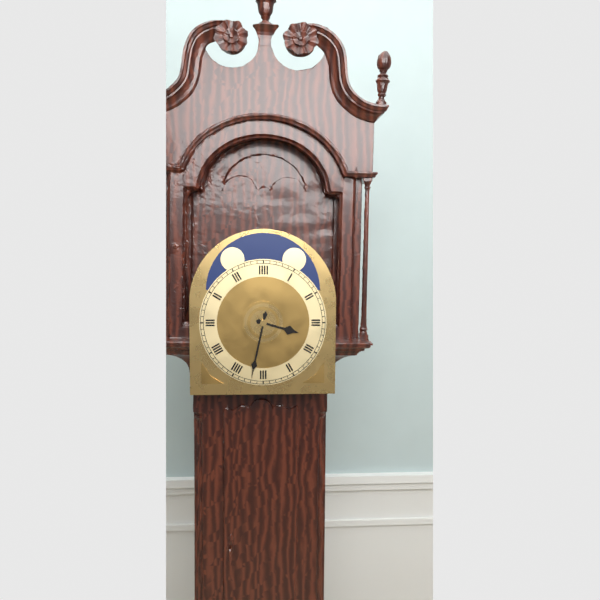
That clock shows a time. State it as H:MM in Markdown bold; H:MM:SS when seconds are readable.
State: **3:32**
